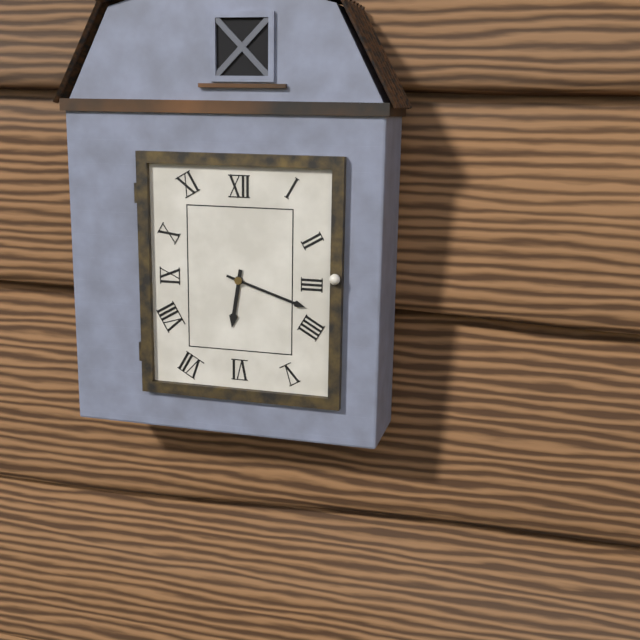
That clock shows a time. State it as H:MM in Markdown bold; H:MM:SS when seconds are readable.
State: **6:18**
